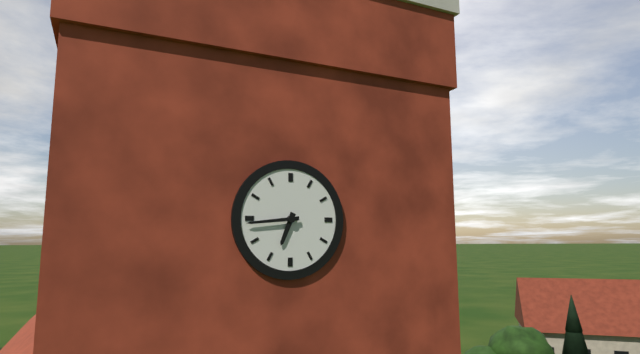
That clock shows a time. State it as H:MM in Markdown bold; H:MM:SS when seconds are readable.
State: **6:44**
